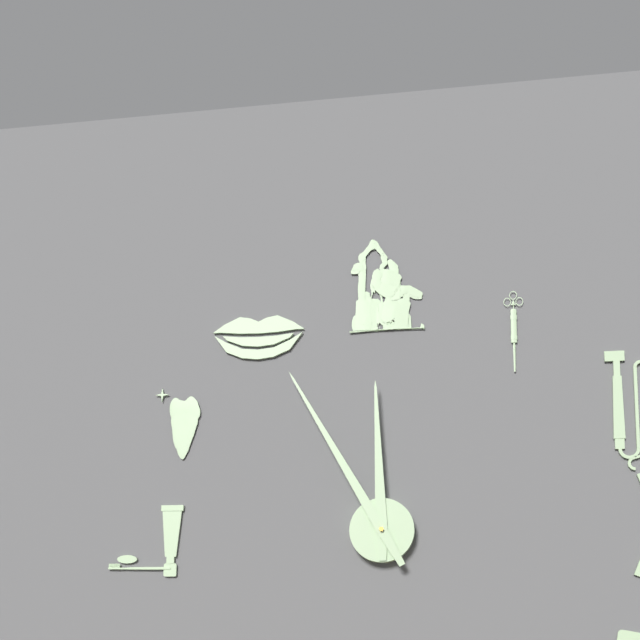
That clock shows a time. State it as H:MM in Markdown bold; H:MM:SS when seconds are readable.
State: **11:55**
